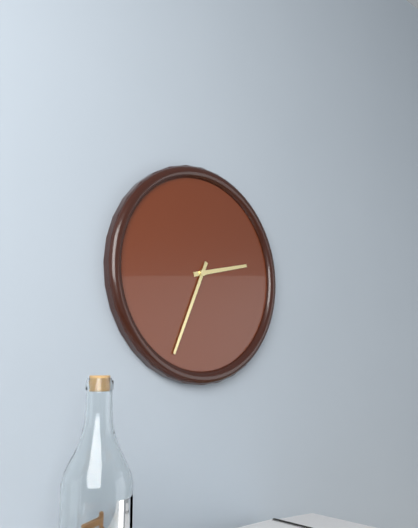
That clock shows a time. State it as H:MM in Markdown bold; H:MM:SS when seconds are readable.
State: **2:34**
